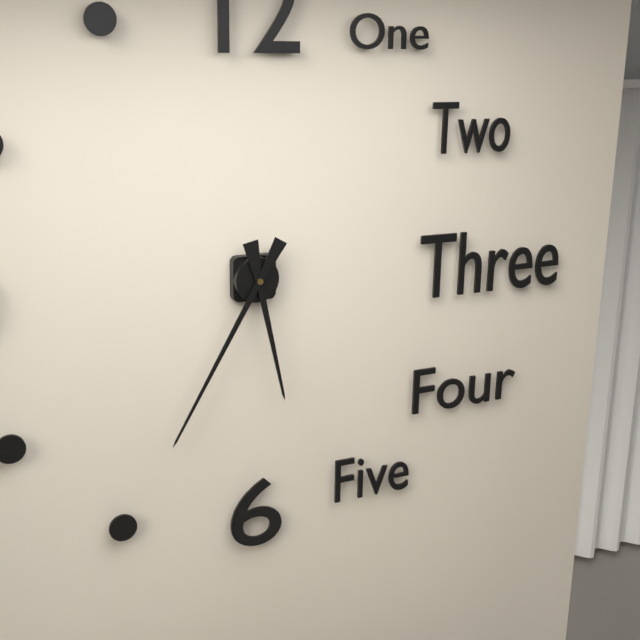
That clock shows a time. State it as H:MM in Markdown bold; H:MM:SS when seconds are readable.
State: **5:35**
